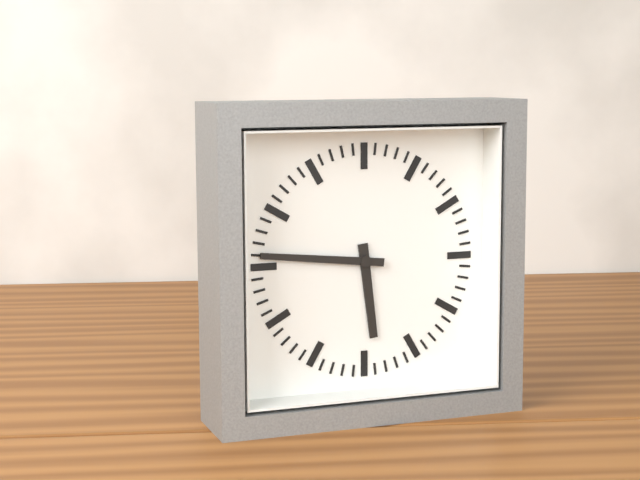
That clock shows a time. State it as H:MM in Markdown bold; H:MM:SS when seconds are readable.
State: **5:46**
